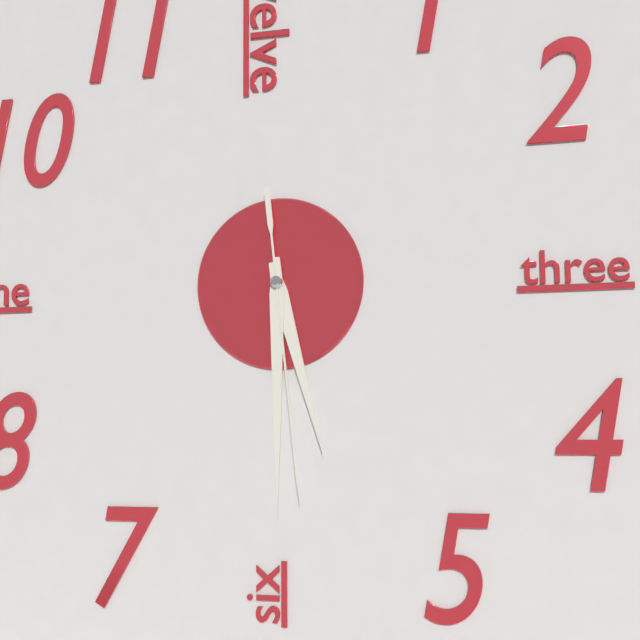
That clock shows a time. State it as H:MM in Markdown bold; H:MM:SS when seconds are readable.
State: **5:30:29**
